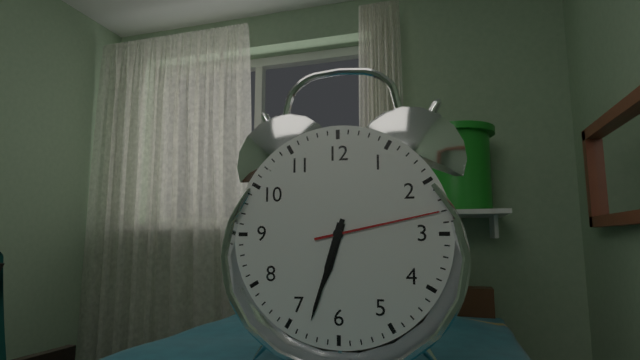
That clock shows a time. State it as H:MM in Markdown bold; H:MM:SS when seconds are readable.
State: **6:33:13**
